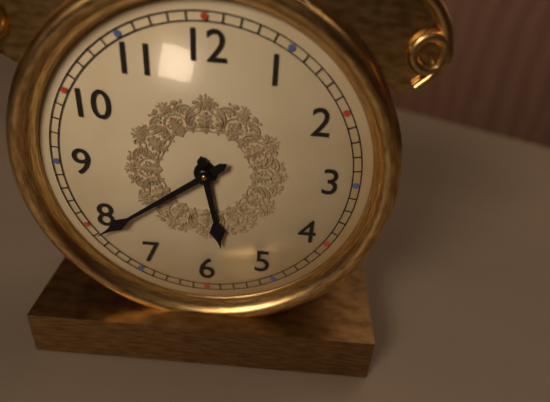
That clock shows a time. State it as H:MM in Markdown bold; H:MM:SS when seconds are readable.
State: **5:39**
